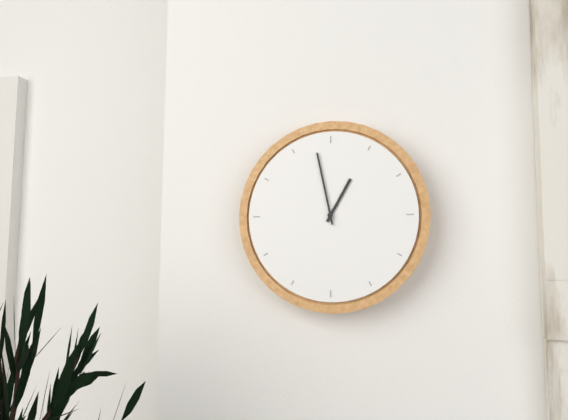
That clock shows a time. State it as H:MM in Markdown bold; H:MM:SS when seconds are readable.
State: **12:58**
